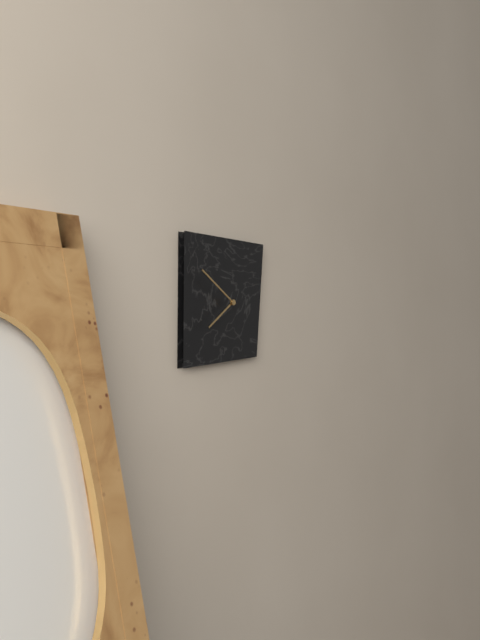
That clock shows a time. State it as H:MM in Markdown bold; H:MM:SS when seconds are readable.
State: **7:50**
